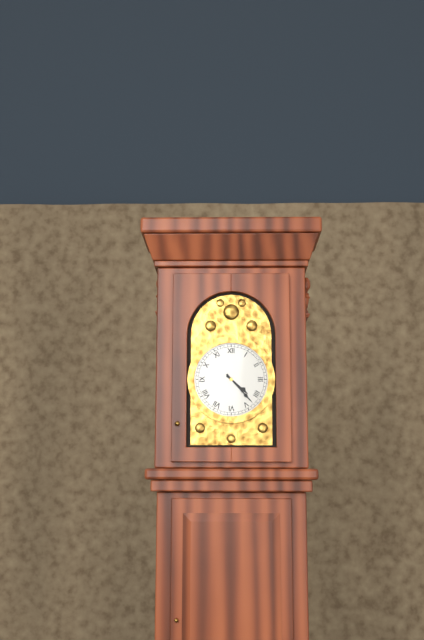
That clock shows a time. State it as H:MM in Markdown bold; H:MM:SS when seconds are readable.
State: **4:23**
